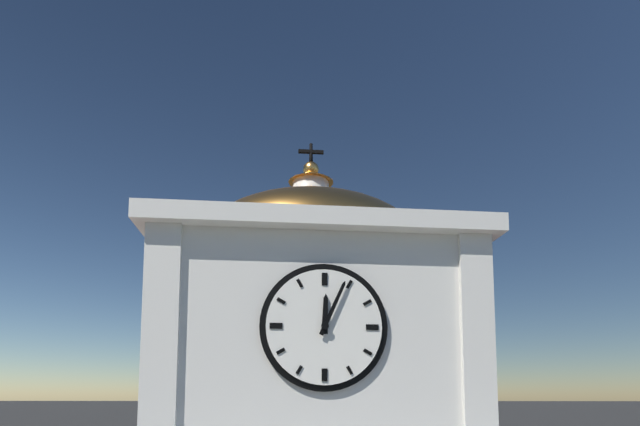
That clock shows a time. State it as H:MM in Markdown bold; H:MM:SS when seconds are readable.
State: **12:04**
